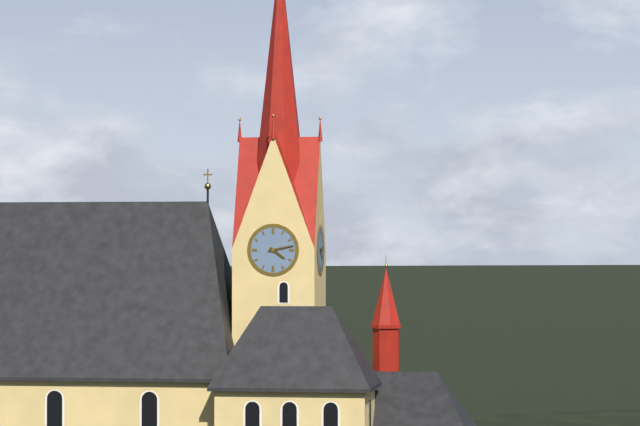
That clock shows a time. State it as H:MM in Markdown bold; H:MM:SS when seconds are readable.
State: **4:13**
